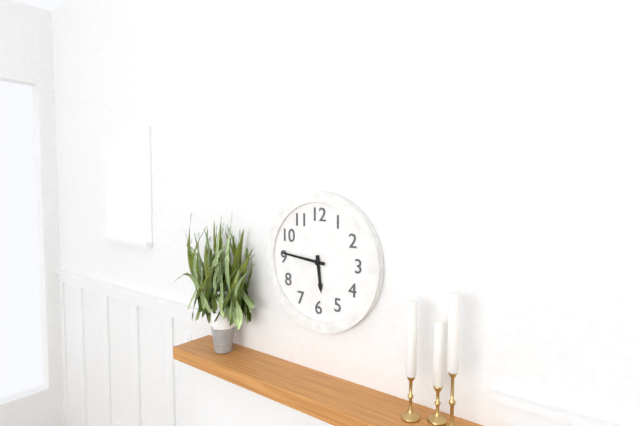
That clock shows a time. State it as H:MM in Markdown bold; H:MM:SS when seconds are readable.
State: **5:46**
